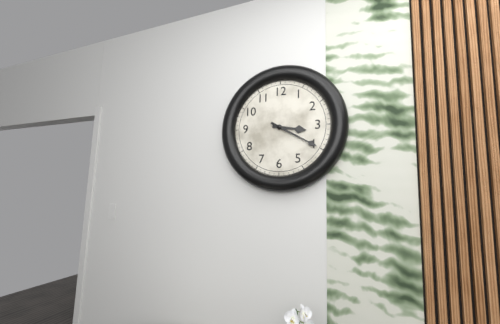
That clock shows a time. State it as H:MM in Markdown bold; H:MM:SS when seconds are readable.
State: **3:20**
